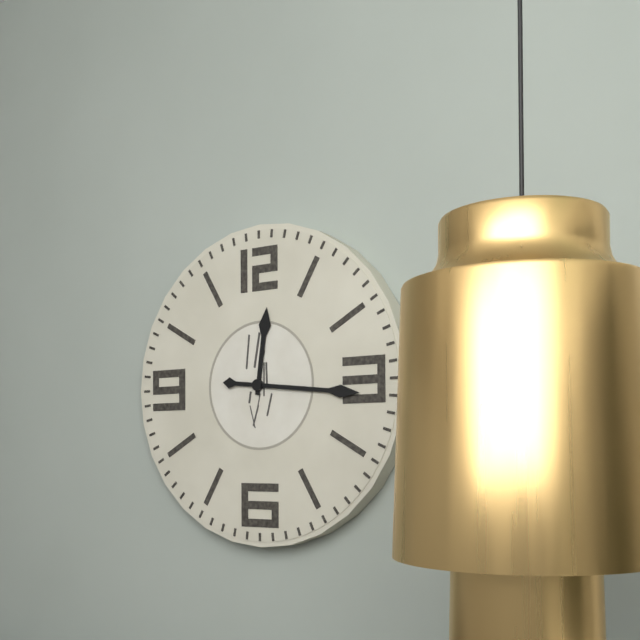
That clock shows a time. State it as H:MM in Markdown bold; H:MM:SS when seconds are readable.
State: **12:16**
